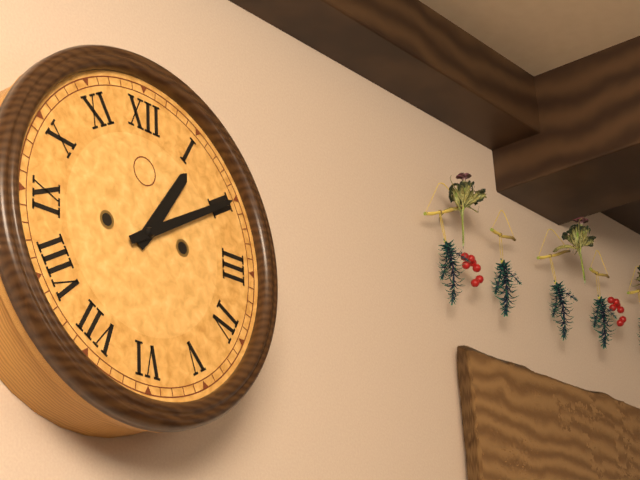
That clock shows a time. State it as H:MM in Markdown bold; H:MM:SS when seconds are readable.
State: **1:10**
